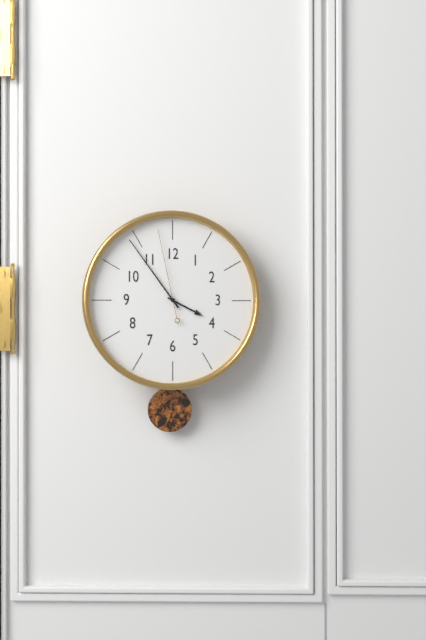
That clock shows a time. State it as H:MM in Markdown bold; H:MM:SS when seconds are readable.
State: **3:54:58**
